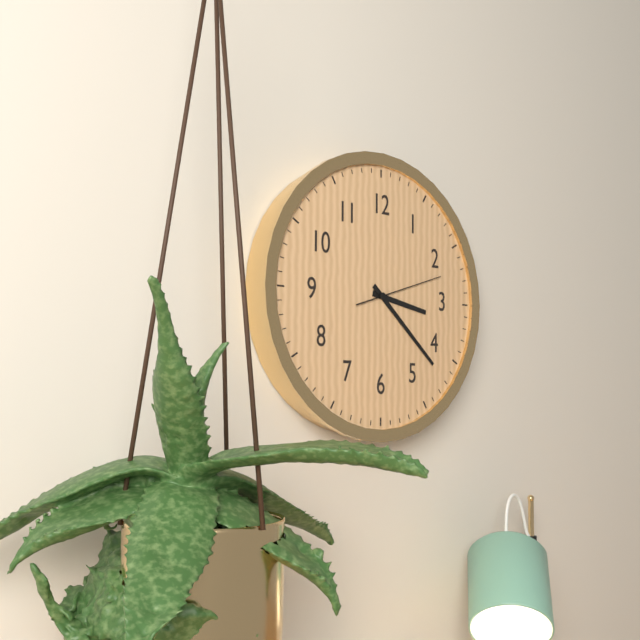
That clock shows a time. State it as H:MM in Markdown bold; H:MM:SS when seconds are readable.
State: **3:22:12**
